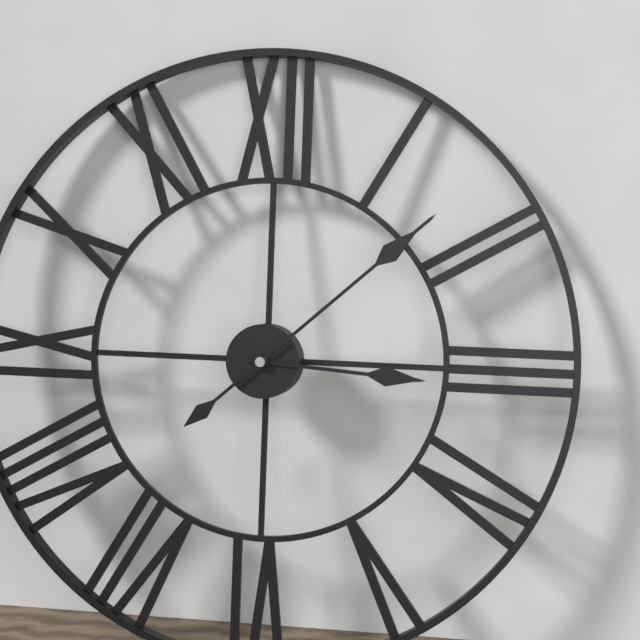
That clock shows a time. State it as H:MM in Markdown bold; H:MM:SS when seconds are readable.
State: **3:08**
